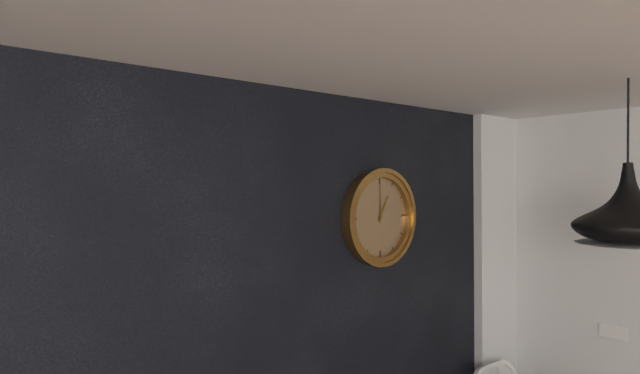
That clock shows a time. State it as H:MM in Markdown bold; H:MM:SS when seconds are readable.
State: **1:00**
